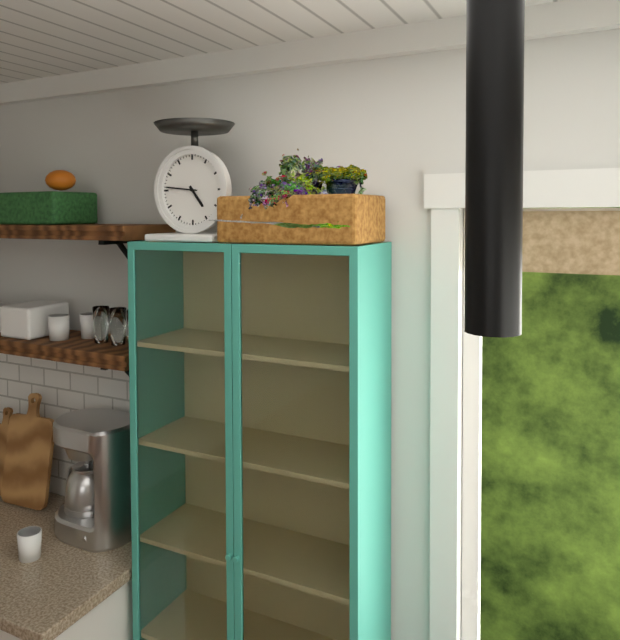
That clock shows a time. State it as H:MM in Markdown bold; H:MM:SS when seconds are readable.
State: **4:46**
